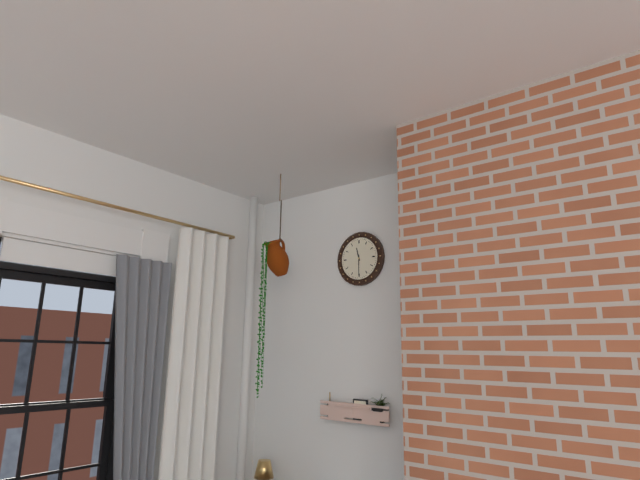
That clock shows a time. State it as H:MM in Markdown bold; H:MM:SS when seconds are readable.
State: **11:30**
